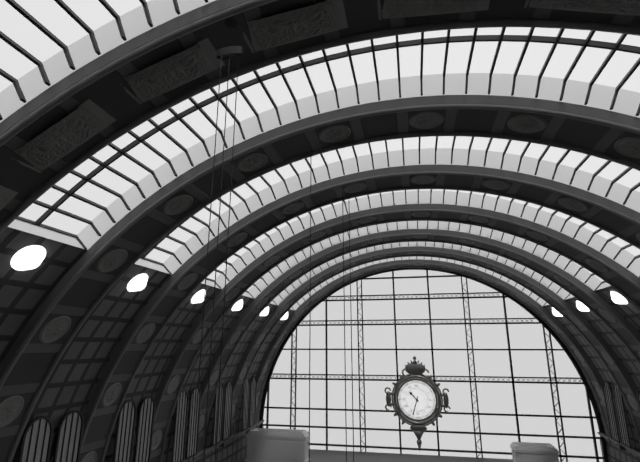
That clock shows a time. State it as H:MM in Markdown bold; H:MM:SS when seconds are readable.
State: **10:33**
